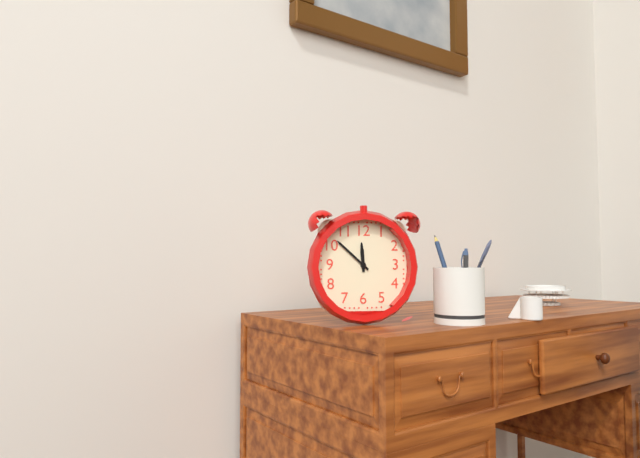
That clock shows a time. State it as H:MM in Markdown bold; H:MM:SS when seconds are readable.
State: **11:52**
